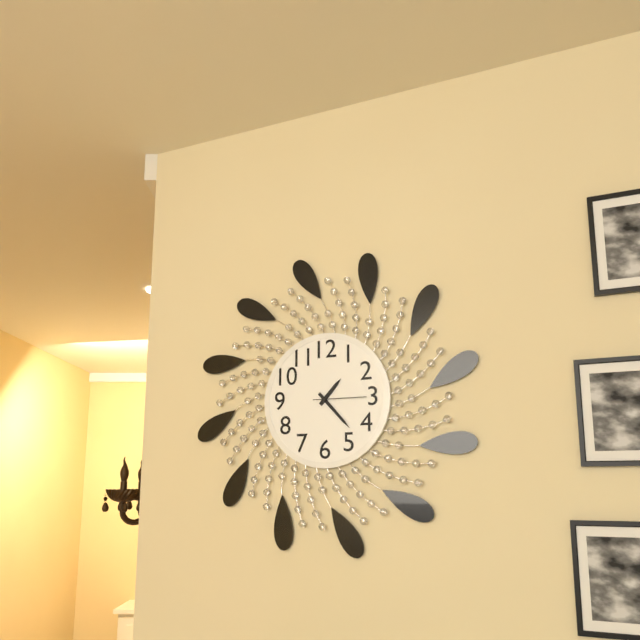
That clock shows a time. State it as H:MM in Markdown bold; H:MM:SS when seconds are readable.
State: **1:23:15**
